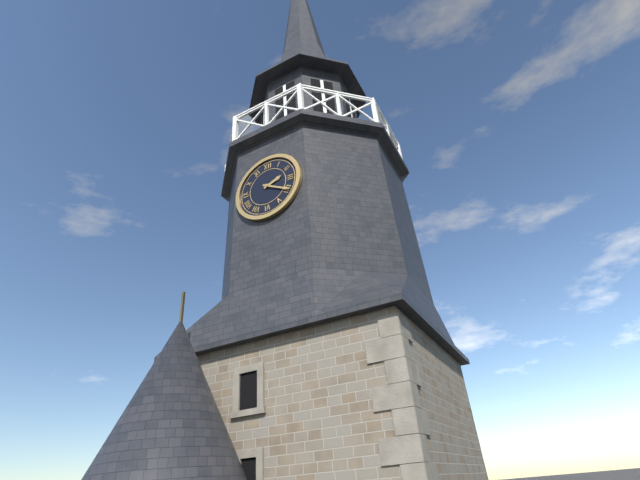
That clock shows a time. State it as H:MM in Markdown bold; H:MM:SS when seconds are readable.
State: **2:20**
